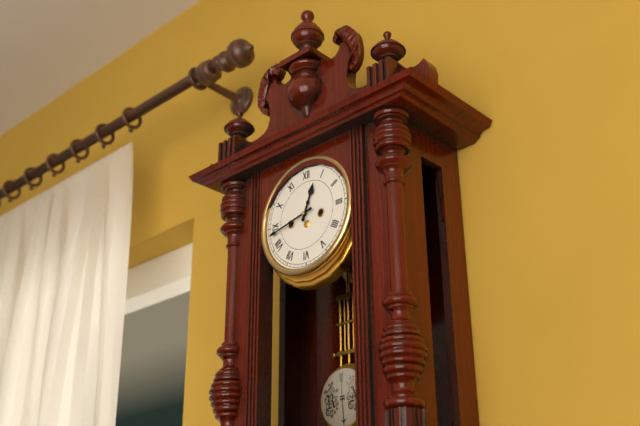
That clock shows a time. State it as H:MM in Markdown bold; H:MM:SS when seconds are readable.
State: **12:43**
